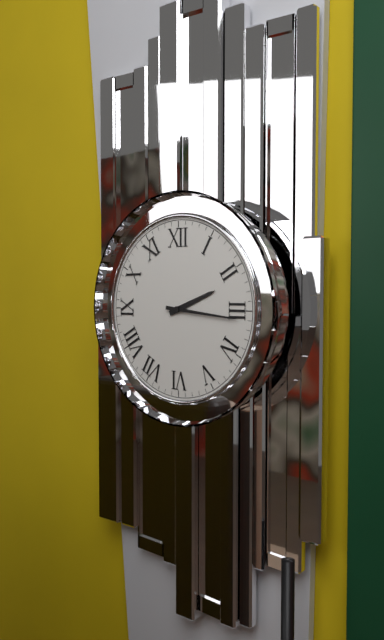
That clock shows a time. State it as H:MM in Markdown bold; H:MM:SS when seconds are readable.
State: **2:16**
